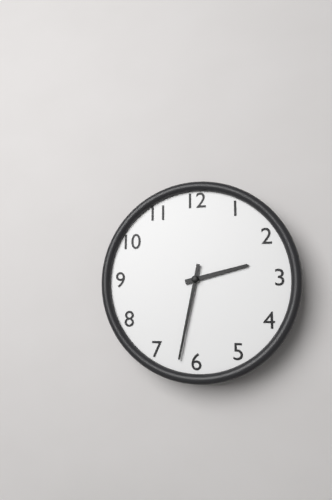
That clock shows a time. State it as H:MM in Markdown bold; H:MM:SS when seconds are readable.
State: **2:32**
